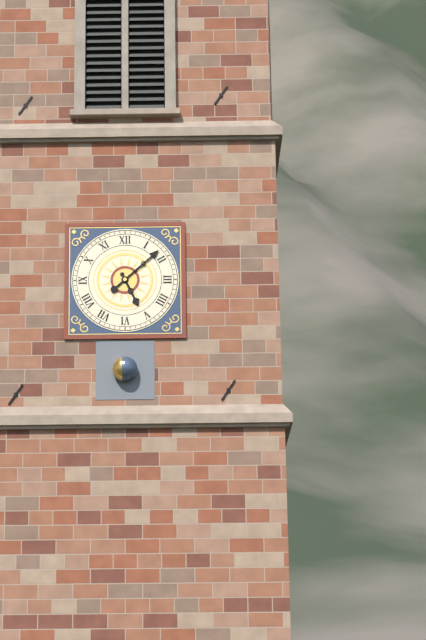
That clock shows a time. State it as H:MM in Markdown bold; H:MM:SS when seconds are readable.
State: **5:08**
